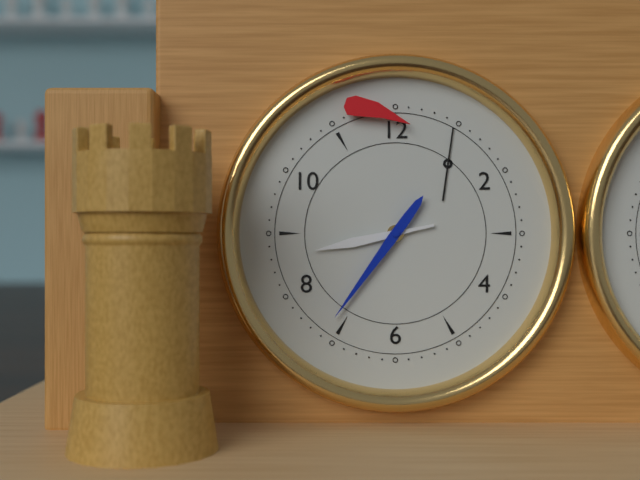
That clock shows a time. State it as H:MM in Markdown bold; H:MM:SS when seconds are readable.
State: **8:36**
